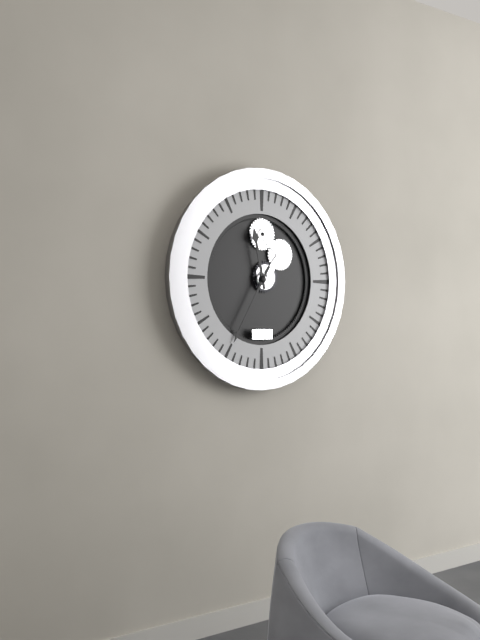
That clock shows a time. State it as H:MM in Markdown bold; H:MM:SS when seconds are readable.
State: **11:35**
